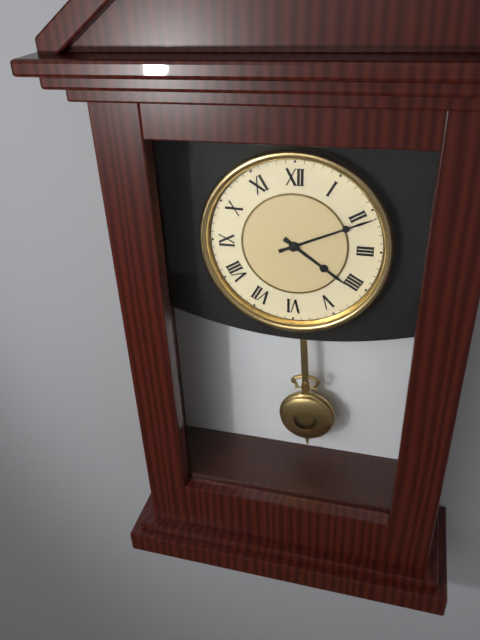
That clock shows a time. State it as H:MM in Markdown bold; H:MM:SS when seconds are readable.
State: **4:11**
